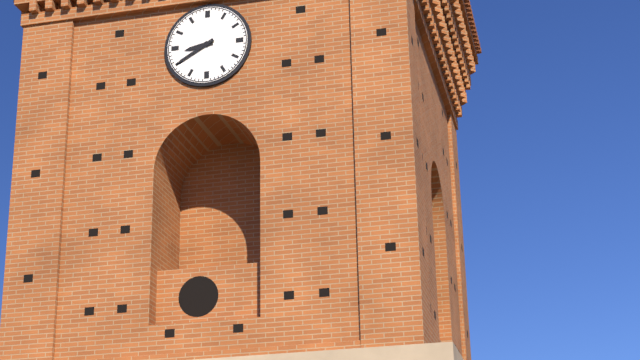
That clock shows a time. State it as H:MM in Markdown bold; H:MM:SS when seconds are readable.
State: **8:40**
